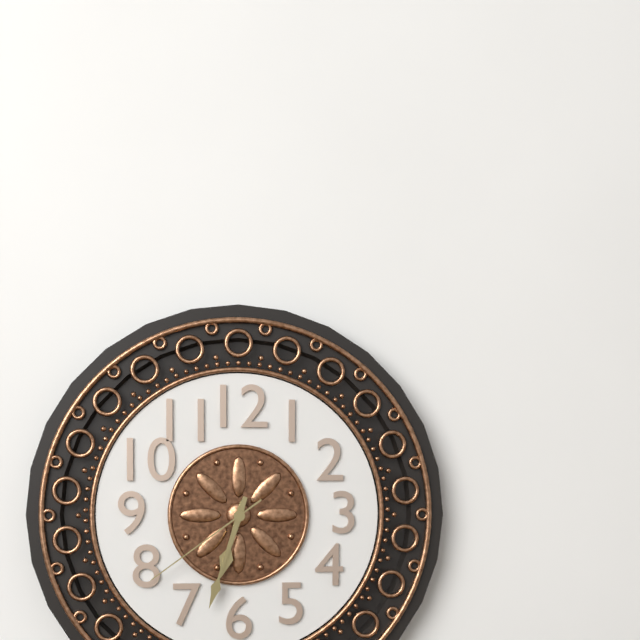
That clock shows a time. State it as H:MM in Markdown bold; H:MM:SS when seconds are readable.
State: **6:33:39**
